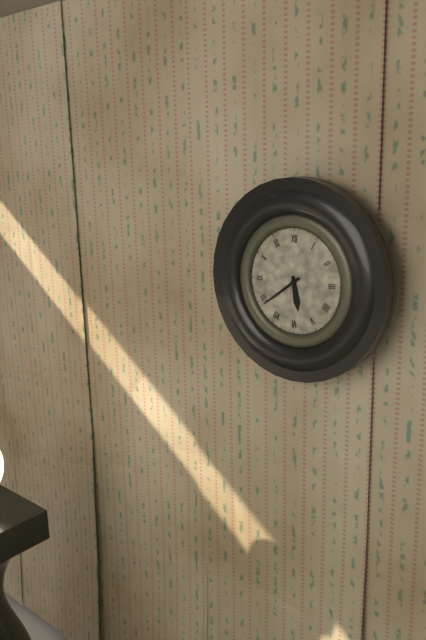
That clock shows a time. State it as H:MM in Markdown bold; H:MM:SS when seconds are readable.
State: **5:39**
